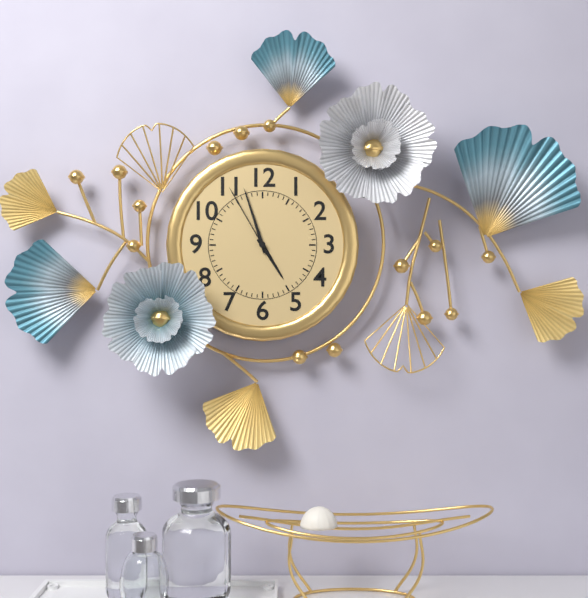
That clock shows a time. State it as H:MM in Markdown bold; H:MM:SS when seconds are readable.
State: **4:57:55**
